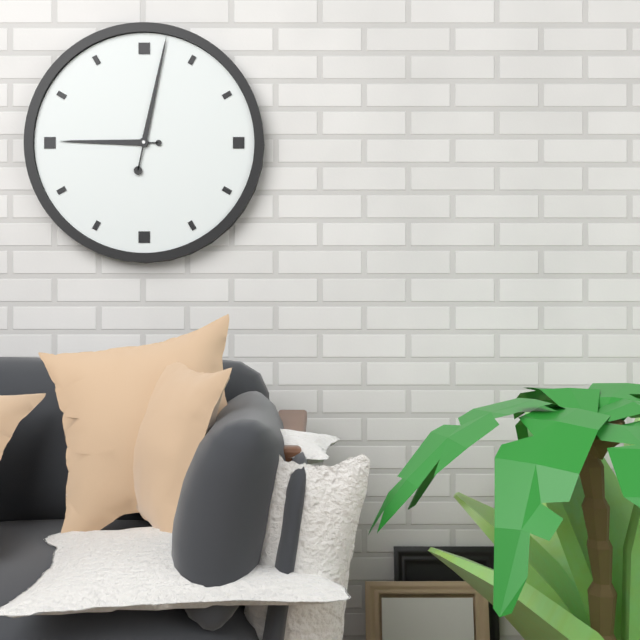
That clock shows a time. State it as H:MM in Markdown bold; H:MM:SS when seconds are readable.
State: **9:02**
